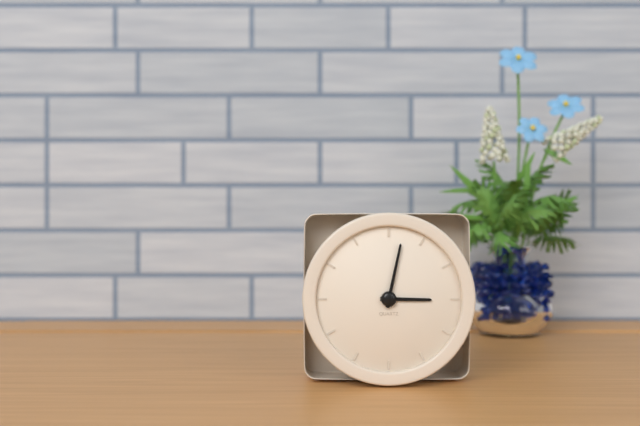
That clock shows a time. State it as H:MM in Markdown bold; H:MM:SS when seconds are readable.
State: **3:02**
